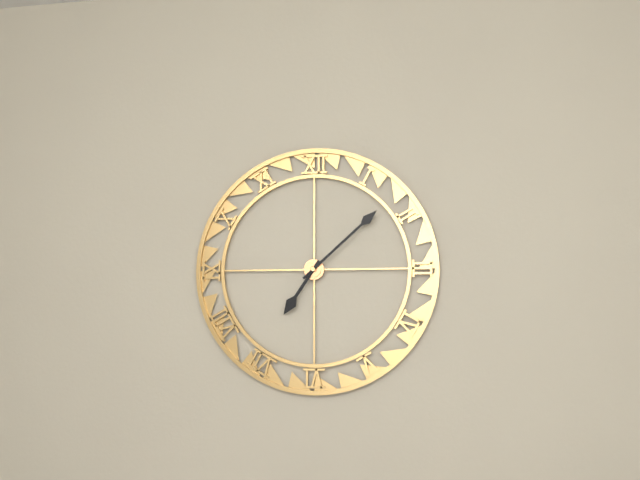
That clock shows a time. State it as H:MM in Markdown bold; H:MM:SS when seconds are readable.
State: **7:08**
